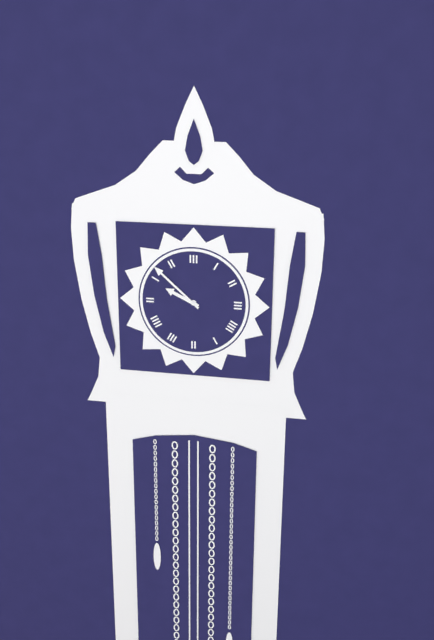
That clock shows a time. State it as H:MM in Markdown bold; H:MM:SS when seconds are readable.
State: **9:52**
